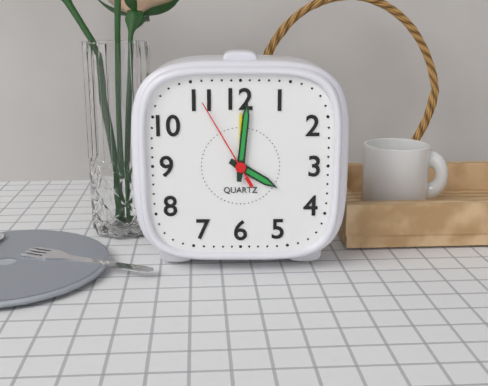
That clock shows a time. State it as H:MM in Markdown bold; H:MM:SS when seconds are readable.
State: **4:01:55**
